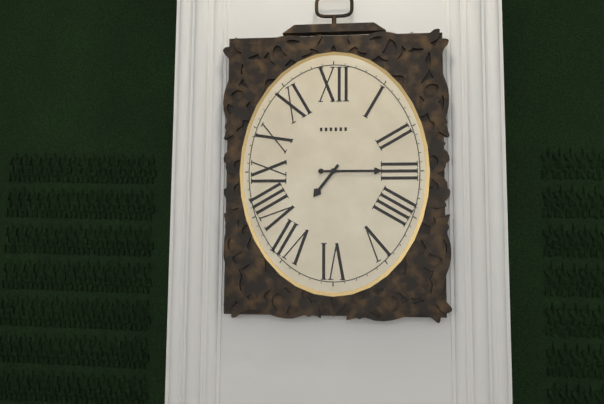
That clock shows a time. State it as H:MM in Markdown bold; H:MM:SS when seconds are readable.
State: **7:15**
